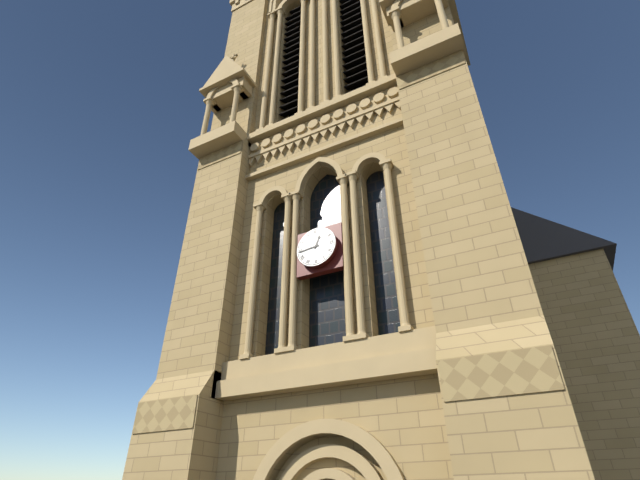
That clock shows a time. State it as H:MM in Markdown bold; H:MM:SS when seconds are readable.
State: **12:44**
